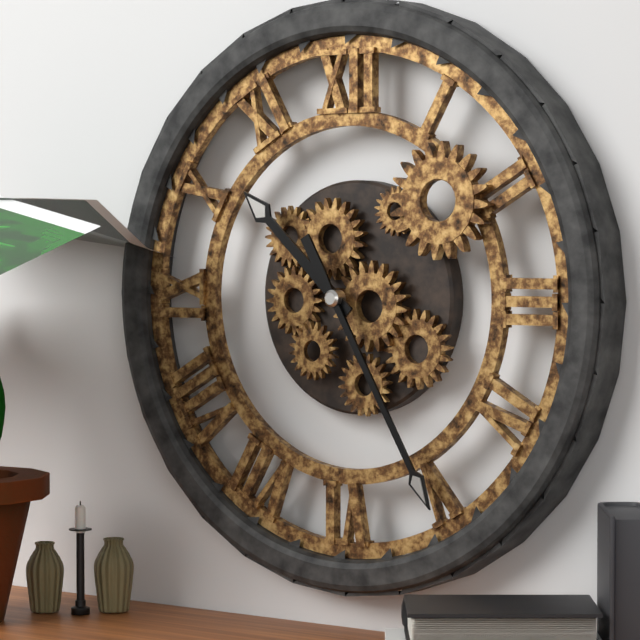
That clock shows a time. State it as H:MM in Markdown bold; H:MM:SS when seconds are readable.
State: **10:25**
